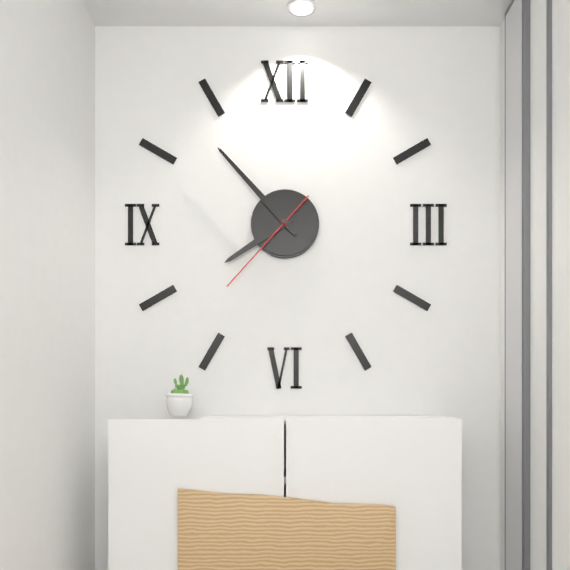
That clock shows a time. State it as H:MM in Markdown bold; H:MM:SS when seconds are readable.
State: **7:53:37**
